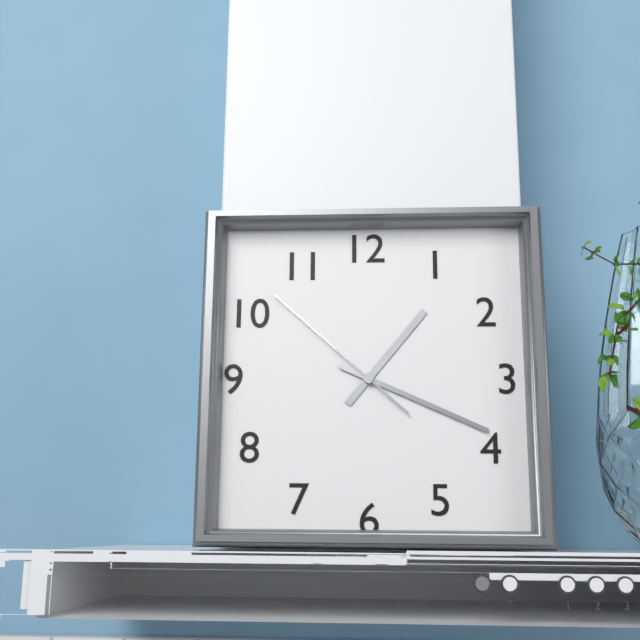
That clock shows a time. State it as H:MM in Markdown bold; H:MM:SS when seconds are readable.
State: **1:19:52**
